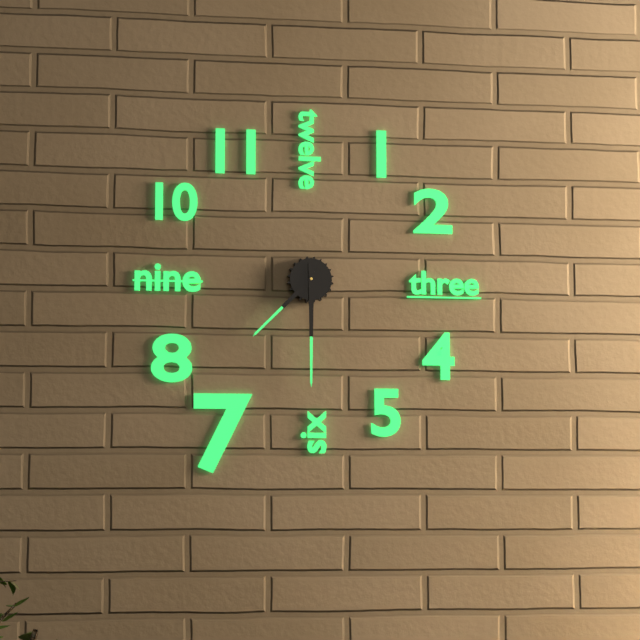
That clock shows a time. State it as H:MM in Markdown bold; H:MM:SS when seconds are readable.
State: **7:30**
